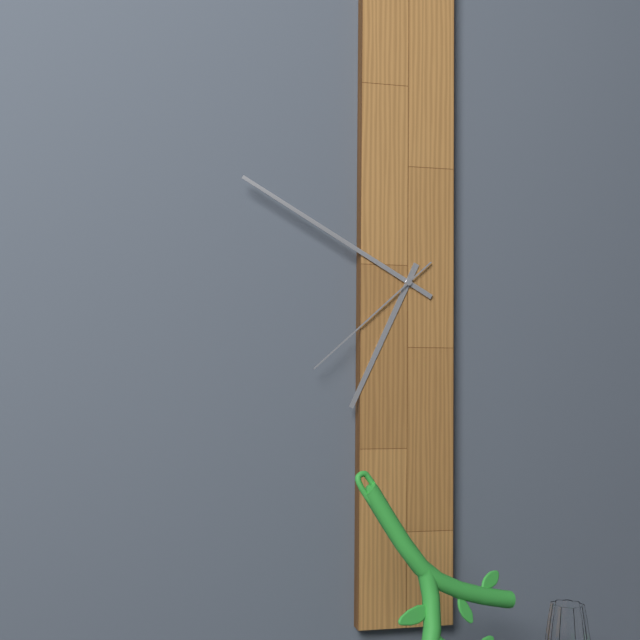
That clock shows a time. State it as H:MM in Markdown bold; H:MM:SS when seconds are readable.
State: **6:50:38**
